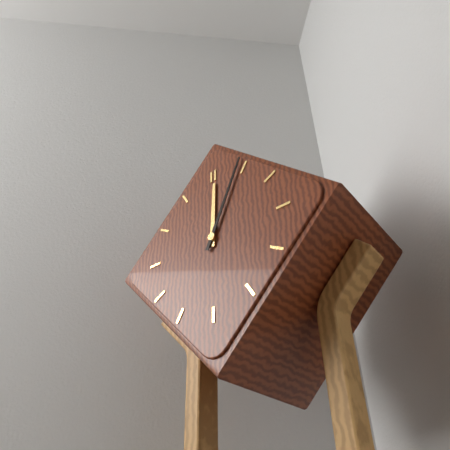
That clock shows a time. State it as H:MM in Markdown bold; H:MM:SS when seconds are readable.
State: **12:04**
